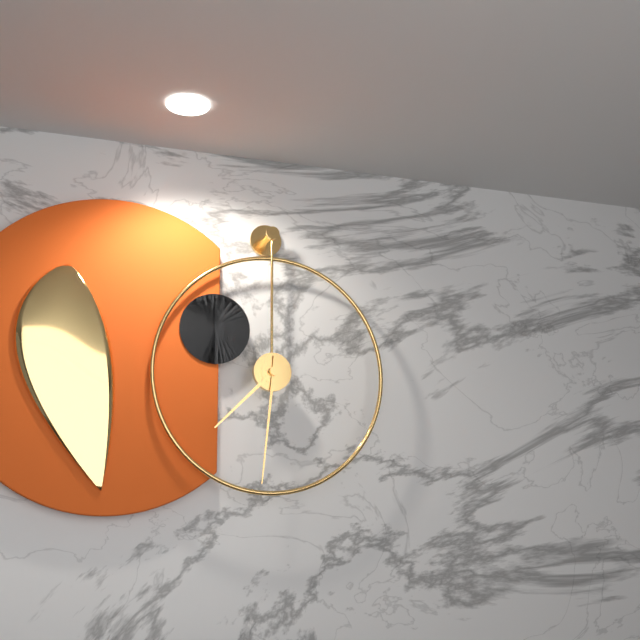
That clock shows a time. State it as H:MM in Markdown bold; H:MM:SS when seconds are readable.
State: **7:31**
